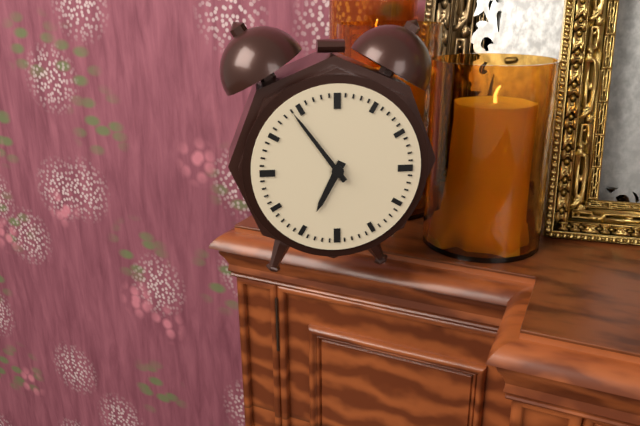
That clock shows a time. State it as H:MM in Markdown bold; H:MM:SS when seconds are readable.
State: **6:54**
